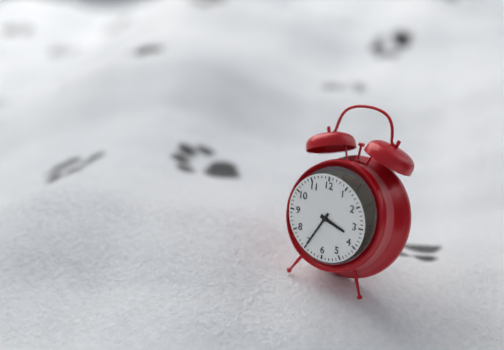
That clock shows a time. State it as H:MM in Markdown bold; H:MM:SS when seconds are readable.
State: **3:35**
